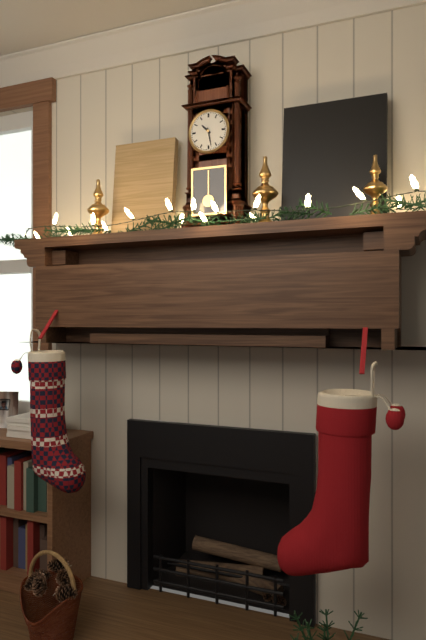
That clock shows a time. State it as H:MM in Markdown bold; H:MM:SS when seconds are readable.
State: **10:28**
